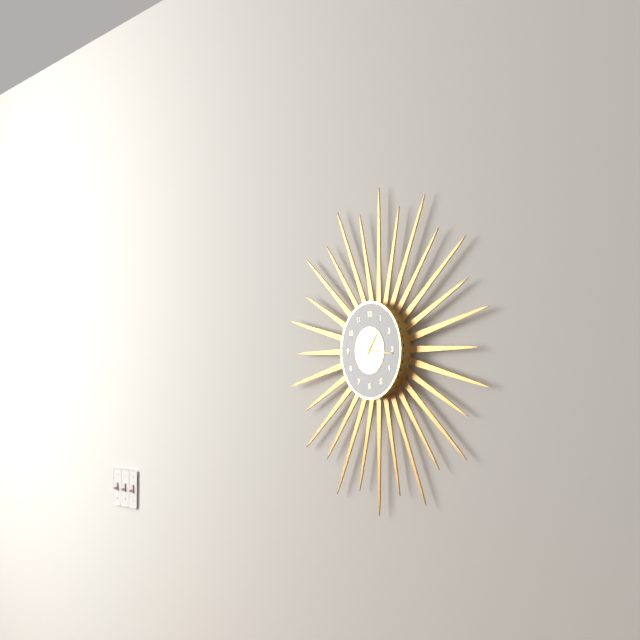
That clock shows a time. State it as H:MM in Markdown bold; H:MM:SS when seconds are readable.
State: **1:16**
